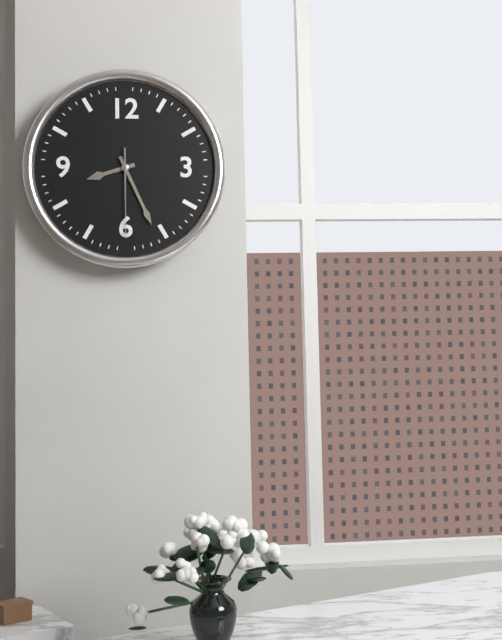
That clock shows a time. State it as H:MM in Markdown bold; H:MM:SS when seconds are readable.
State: **8:26:30**
